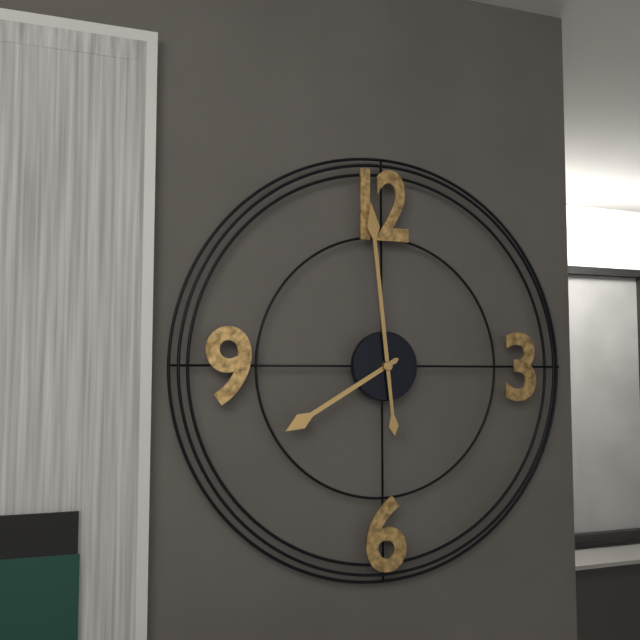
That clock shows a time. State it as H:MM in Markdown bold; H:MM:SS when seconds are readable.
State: **7:59**
